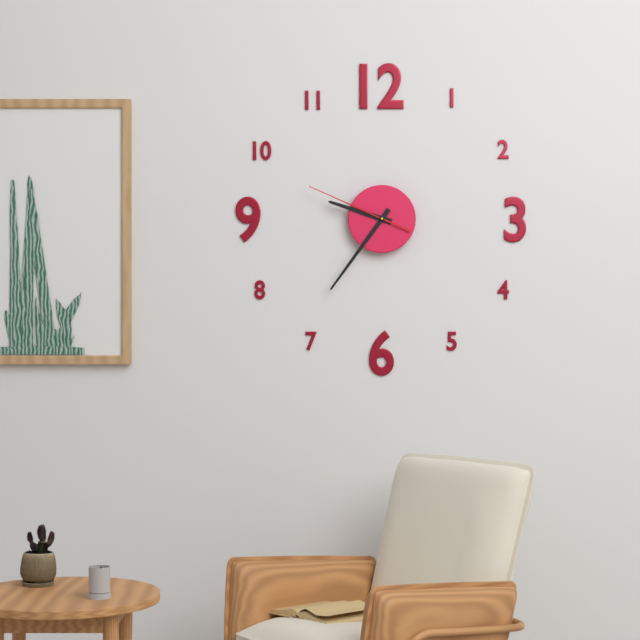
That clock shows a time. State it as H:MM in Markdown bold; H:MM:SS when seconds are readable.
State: **9:36:49**
